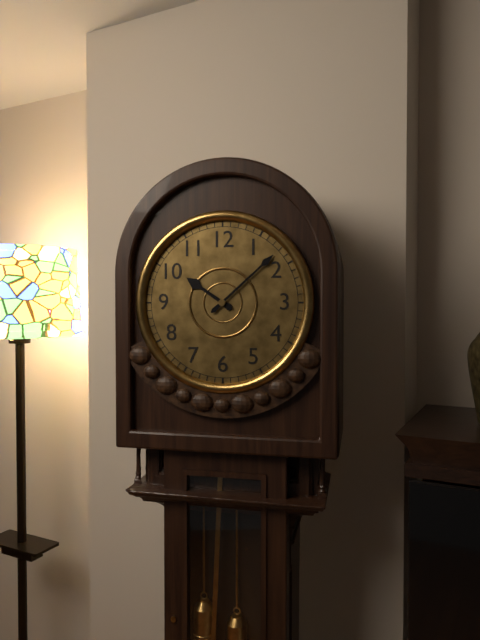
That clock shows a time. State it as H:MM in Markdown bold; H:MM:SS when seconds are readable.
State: **10:08**
